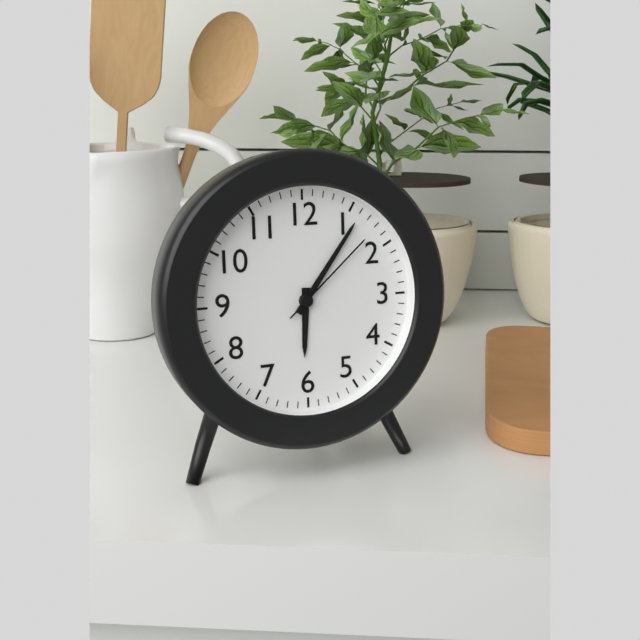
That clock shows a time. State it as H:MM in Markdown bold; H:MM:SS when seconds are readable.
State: **6:06:08**
